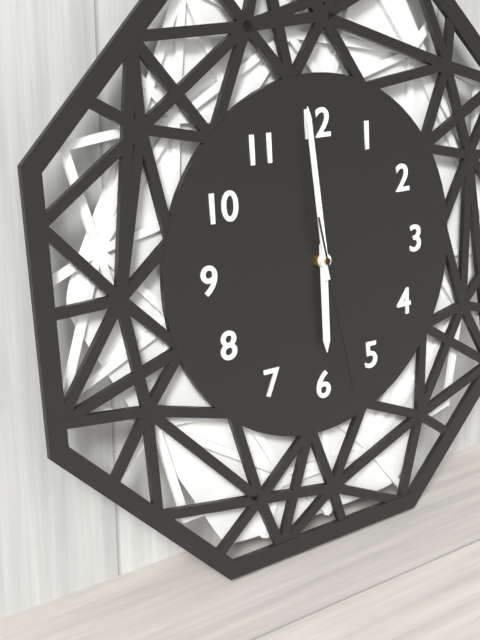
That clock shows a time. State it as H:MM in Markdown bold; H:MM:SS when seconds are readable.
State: **5:59:28**
